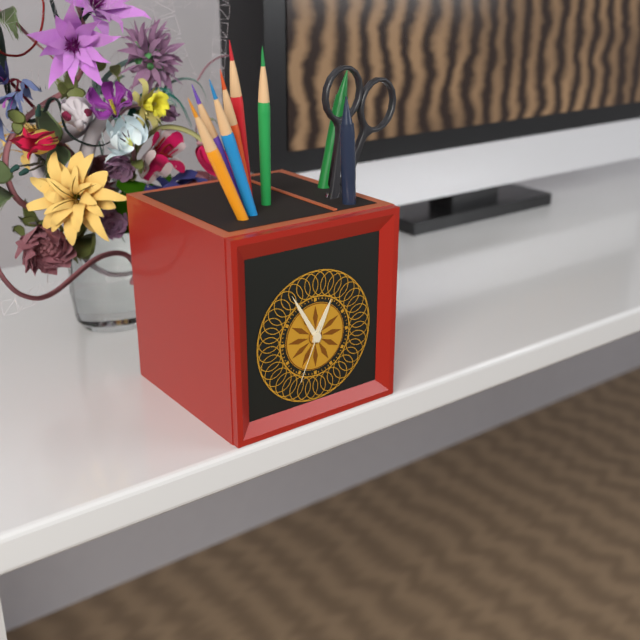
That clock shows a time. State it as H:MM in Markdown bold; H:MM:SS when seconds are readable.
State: **12:55:34**
